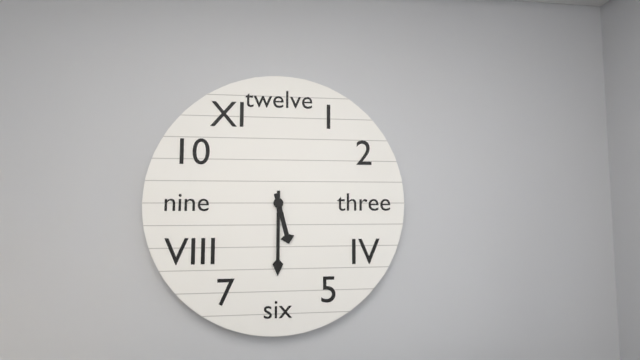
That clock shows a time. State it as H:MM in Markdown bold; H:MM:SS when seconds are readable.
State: **5:30**
